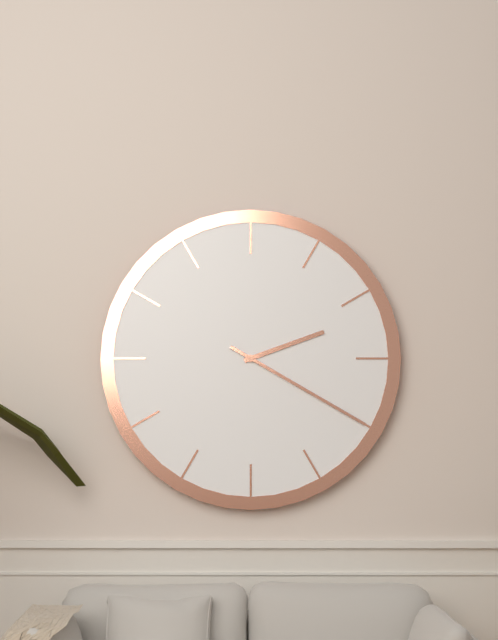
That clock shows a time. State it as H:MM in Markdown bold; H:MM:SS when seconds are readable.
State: **2:20**
